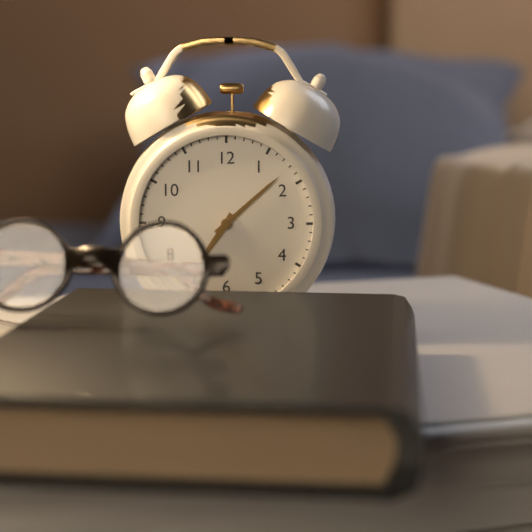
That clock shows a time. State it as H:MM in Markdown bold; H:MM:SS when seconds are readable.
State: **7:08**
